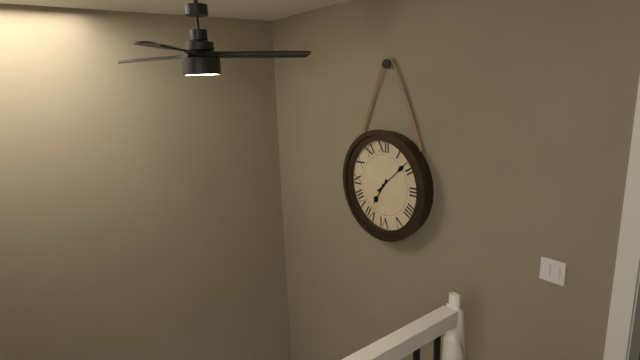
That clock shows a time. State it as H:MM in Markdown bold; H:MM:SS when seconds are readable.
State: **7:08**
